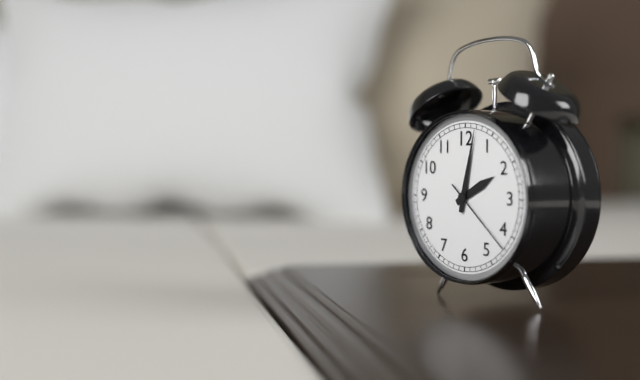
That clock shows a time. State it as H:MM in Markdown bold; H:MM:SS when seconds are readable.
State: **2:02:22**
